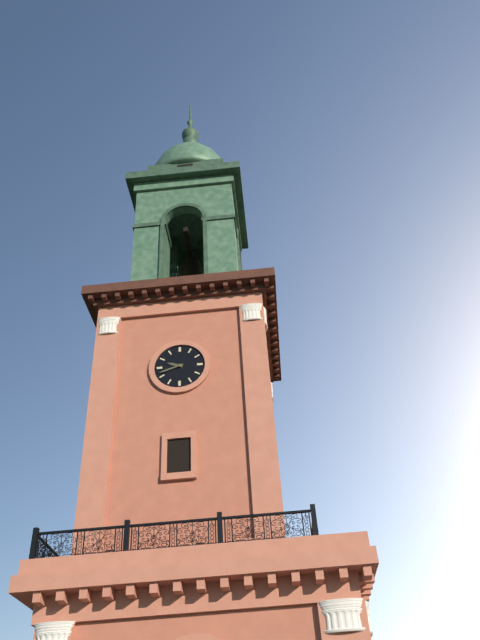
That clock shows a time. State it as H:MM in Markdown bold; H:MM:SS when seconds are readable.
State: **9:42**
